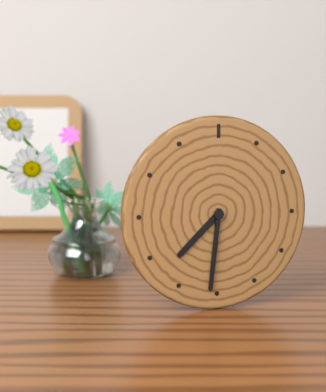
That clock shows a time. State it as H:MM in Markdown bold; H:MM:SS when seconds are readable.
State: **7:31**
